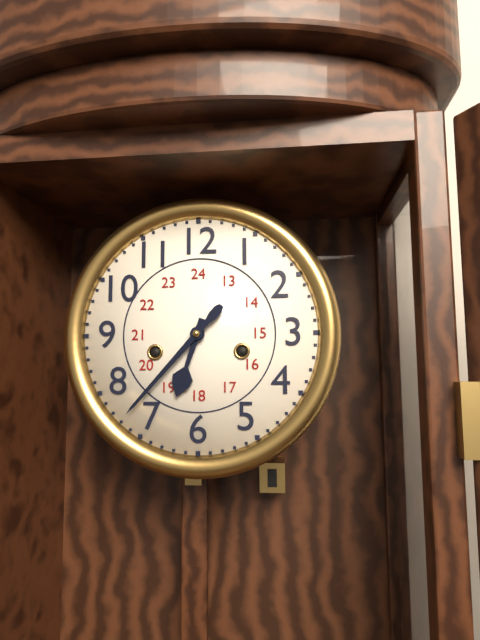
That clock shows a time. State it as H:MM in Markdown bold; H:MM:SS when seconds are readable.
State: **6:37**
